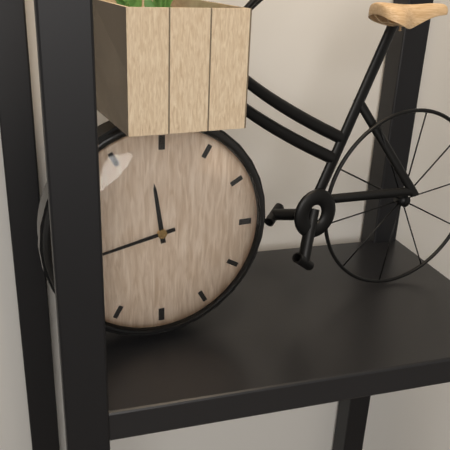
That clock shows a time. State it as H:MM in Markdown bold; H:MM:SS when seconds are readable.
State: **11:43**
